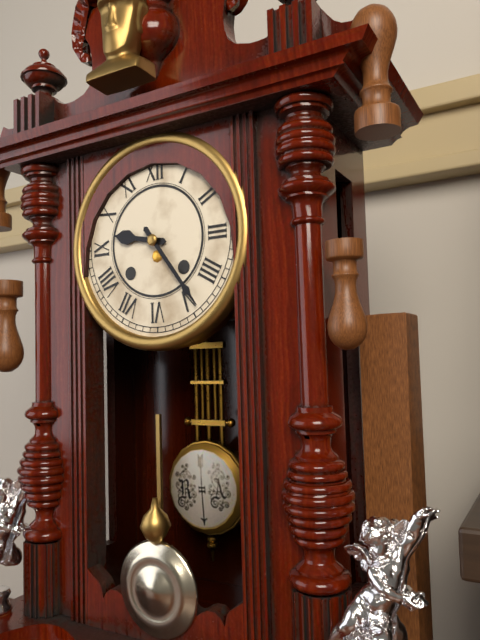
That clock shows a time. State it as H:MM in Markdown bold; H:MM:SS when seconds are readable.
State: **9:24**
